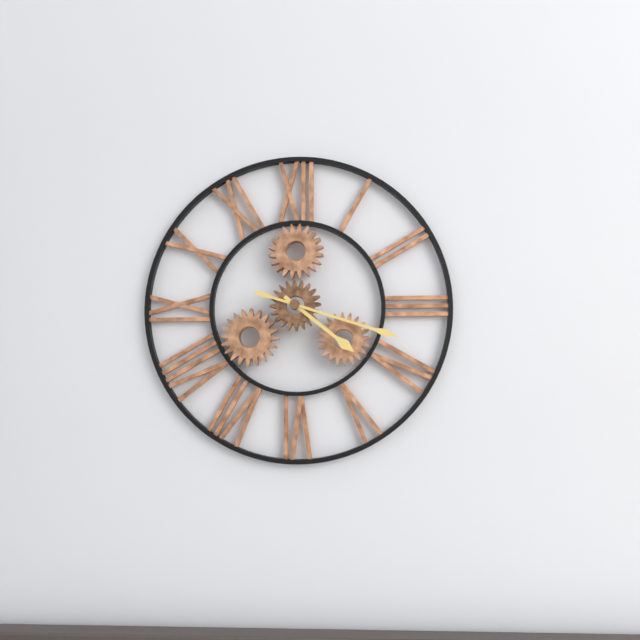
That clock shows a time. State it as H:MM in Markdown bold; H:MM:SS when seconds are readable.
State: **4:18**
